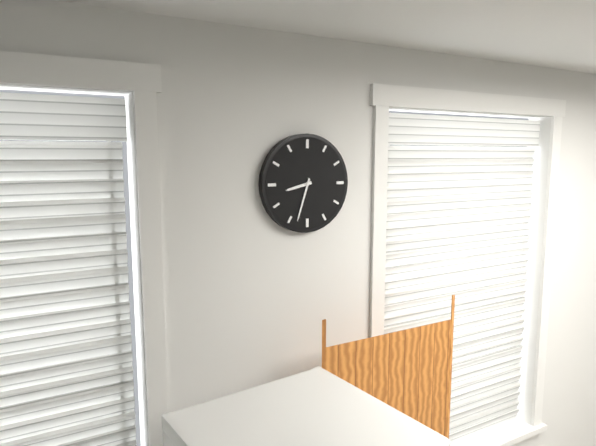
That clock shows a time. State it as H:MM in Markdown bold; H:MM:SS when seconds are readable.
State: **8:33**
